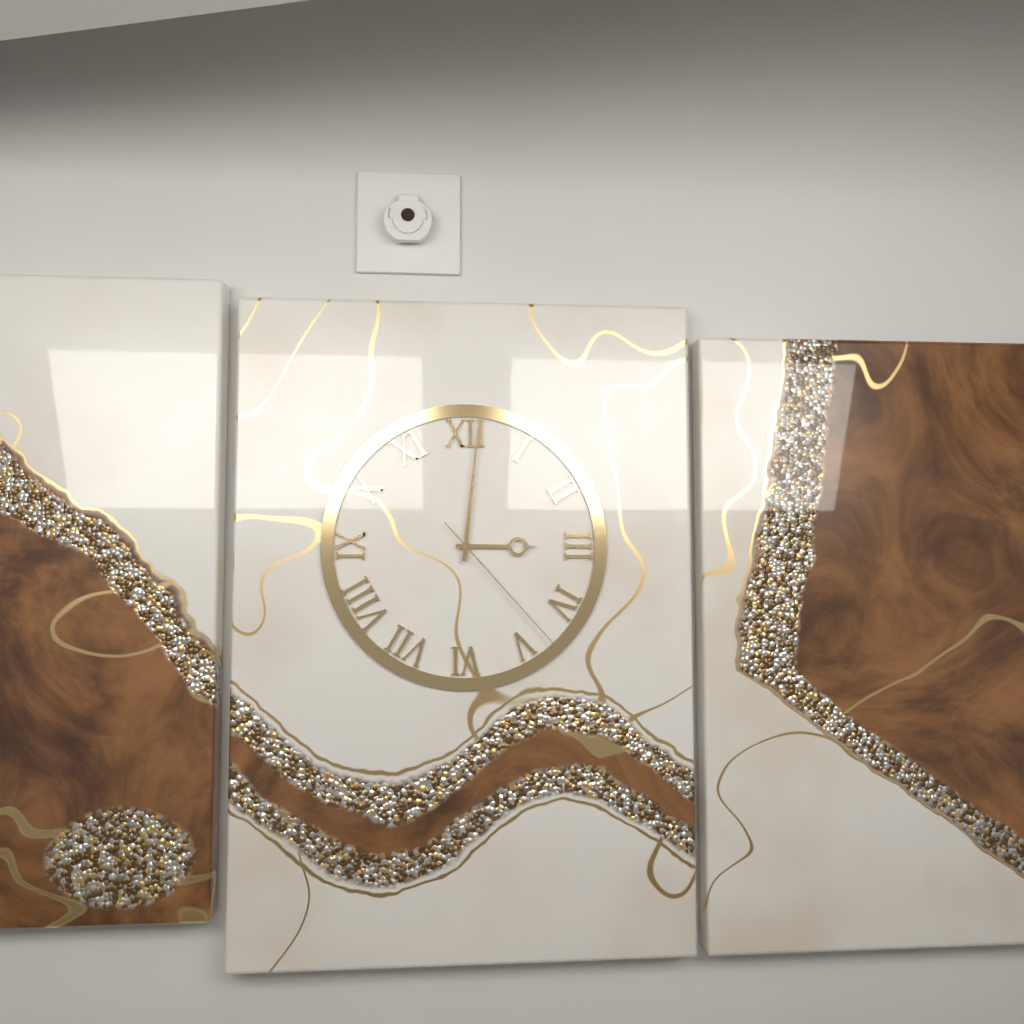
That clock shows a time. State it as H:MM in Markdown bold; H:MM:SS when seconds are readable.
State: **3:01:23**
